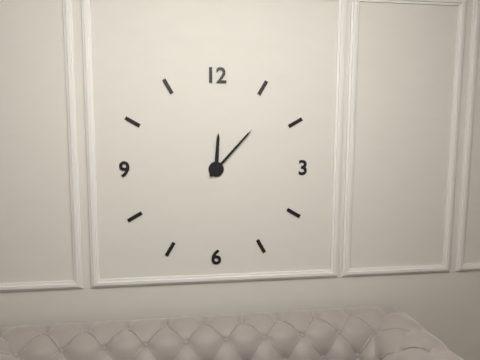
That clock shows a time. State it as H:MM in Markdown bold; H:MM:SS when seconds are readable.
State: **12:07**
